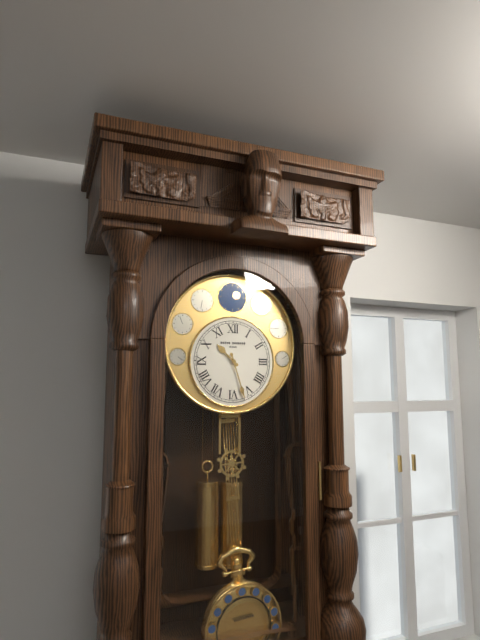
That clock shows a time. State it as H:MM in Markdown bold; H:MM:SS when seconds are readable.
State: **10:27**
